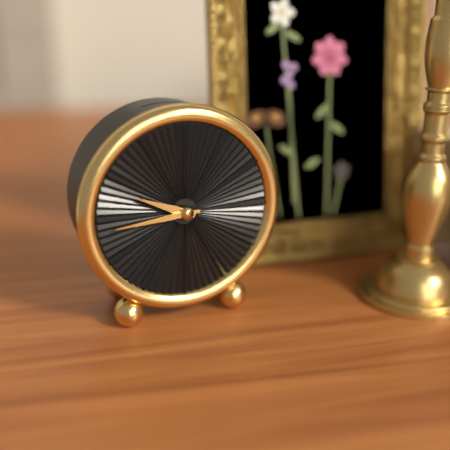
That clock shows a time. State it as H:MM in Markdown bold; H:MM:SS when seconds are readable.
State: **9:44**
